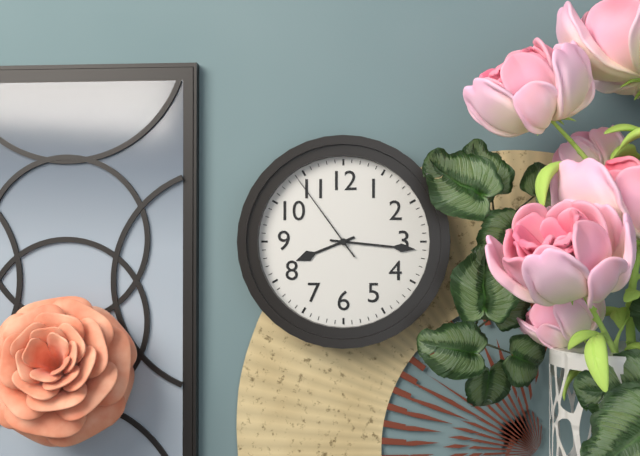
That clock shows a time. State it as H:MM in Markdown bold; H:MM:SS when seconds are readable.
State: **8:16:54**
